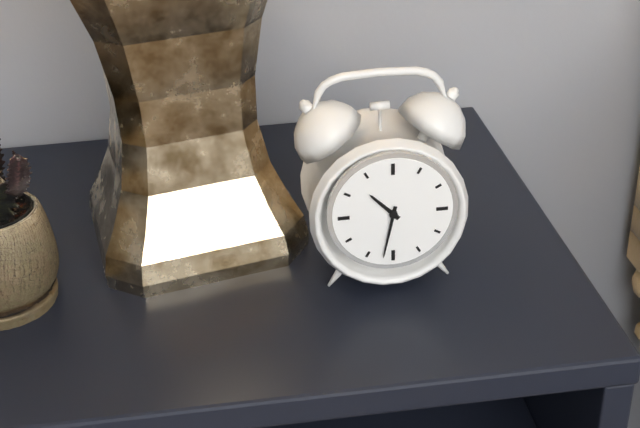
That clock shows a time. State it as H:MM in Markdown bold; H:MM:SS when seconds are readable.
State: **10:32**
